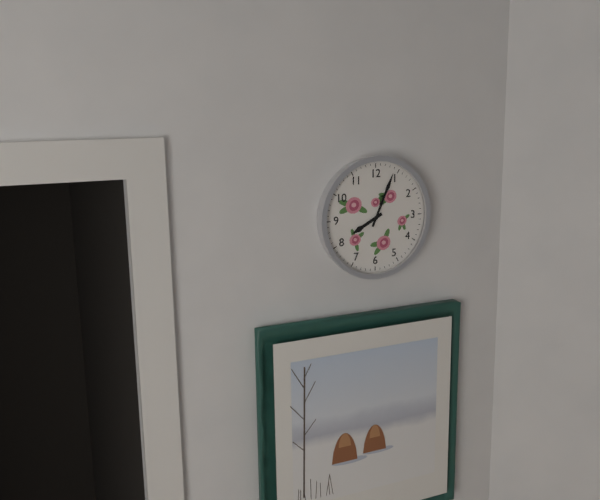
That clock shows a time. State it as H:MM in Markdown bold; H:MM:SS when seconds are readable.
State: **8:04**
